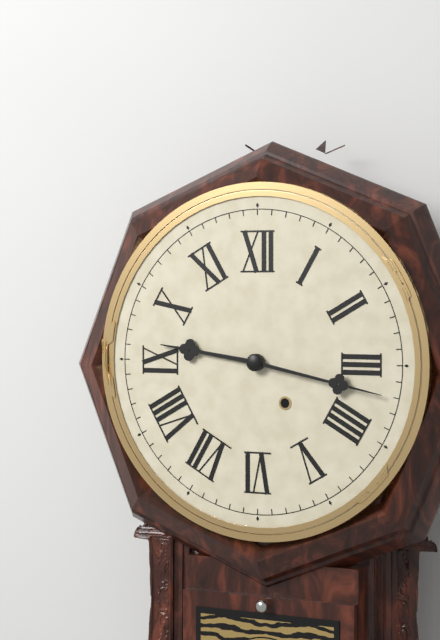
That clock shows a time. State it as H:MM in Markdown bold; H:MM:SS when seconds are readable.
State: **9:17**
